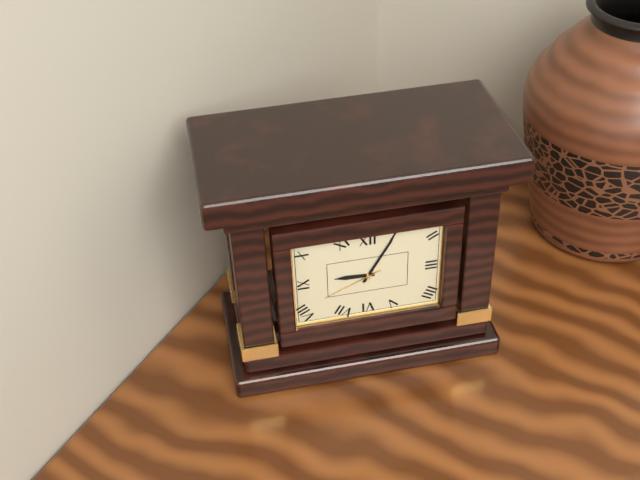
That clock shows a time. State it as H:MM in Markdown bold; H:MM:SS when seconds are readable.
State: **9:05:41**
